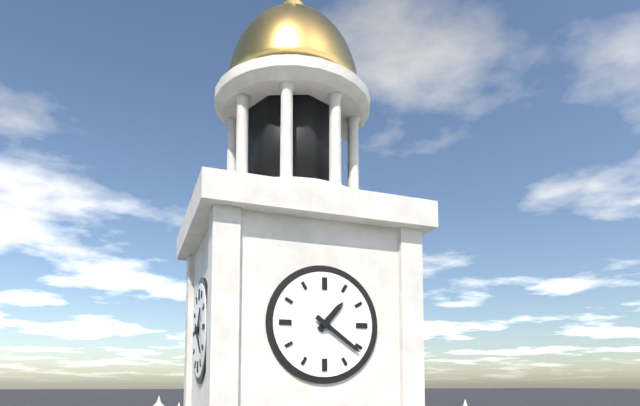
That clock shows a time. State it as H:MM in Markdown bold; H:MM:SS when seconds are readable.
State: **1:21**
